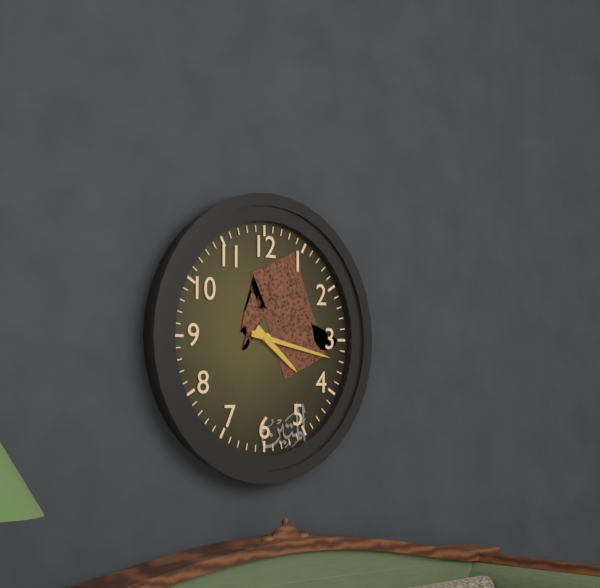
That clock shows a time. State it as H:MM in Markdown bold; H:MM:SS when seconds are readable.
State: **4:17**
